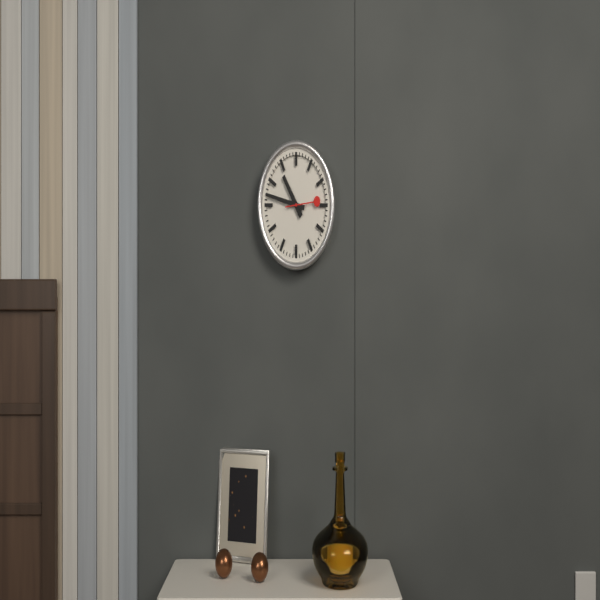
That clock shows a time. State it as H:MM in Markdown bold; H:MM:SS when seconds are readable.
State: **10:47**
